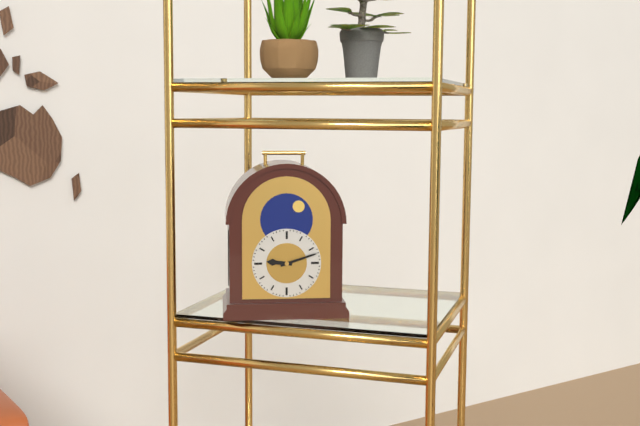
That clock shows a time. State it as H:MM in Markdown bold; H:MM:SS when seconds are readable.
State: **9:12**
